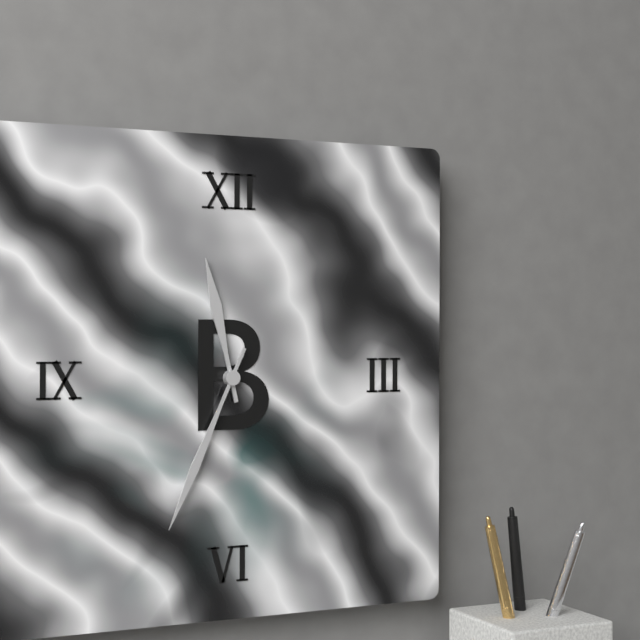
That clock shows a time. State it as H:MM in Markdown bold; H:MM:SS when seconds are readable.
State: **11:34**
